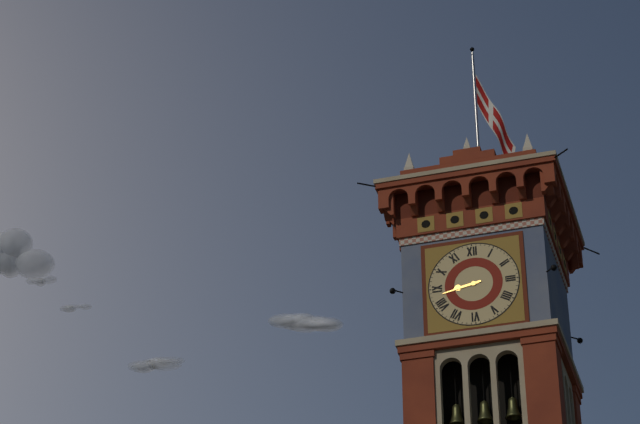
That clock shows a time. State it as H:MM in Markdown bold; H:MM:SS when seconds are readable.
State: **8:43**
